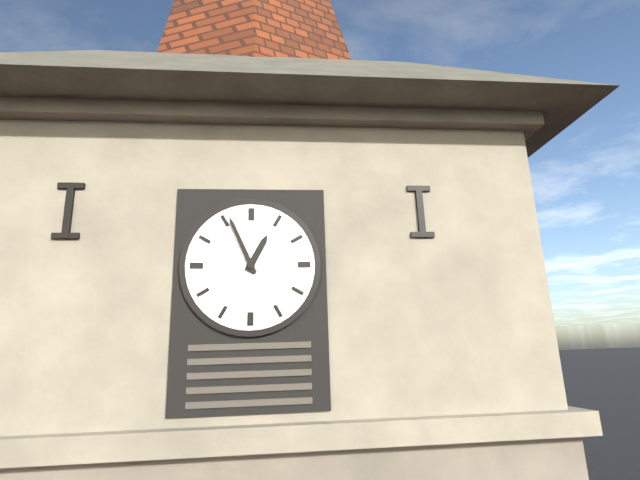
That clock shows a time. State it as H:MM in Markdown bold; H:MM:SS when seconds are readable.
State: **12:56**
